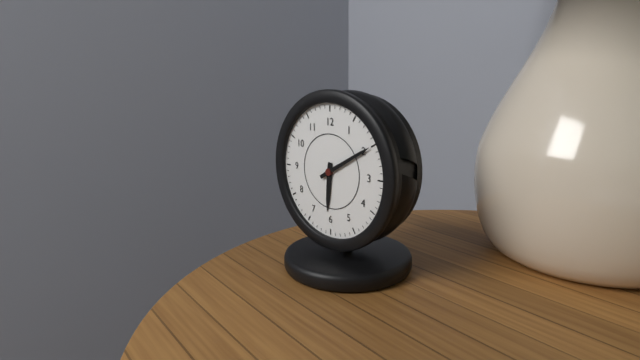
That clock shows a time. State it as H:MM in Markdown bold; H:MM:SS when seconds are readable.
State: **6:10**
